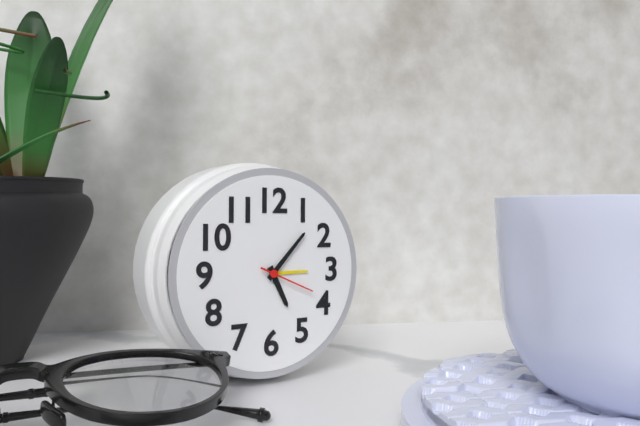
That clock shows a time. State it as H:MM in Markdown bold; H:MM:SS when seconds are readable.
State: **5:07:19**
